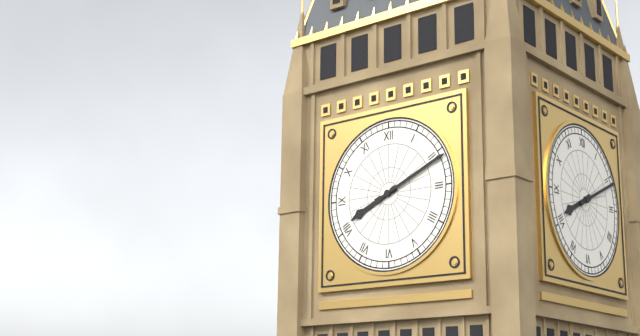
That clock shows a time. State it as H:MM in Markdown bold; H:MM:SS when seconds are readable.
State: **8:11**
